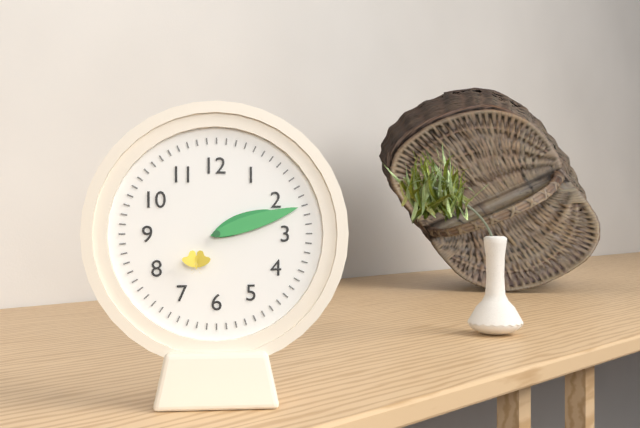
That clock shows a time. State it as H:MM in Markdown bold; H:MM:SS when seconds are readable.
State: **2:12**
